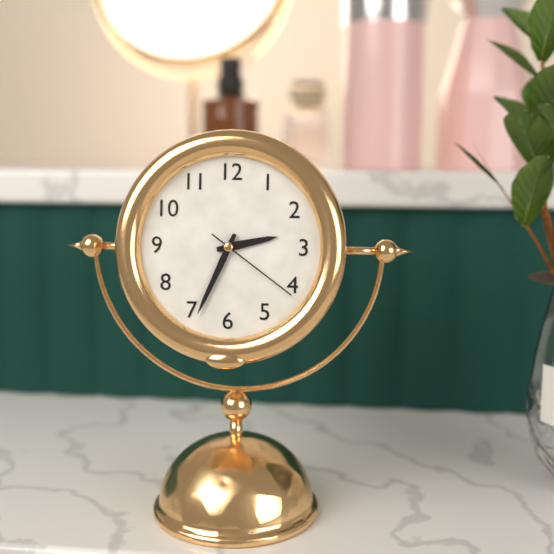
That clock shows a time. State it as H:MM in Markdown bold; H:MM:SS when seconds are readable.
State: **2:34:21**
